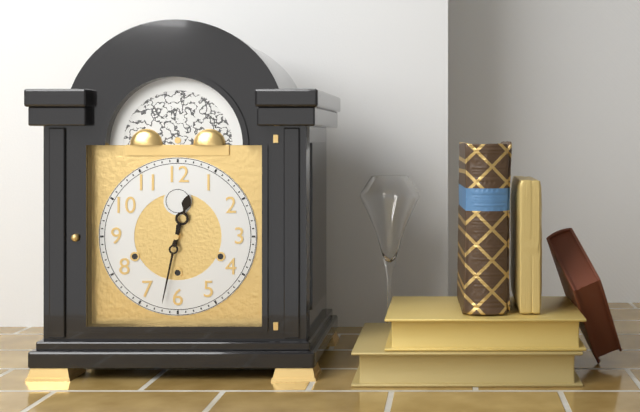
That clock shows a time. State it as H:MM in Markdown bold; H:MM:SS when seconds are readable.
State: **12:32**
